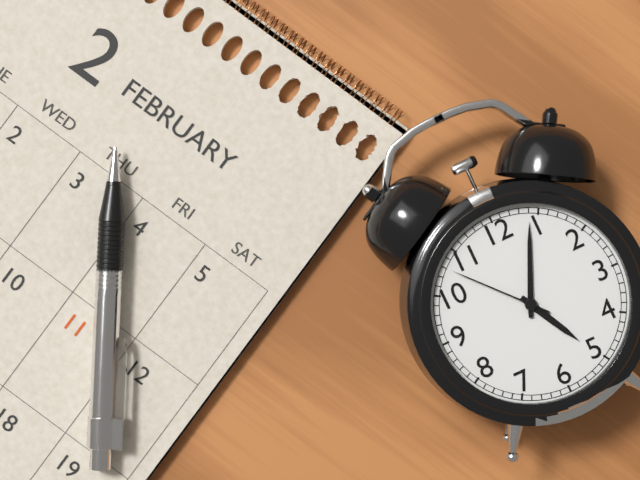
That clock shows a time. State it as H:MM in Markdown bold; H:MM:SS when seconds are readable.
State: **5:04:53**
